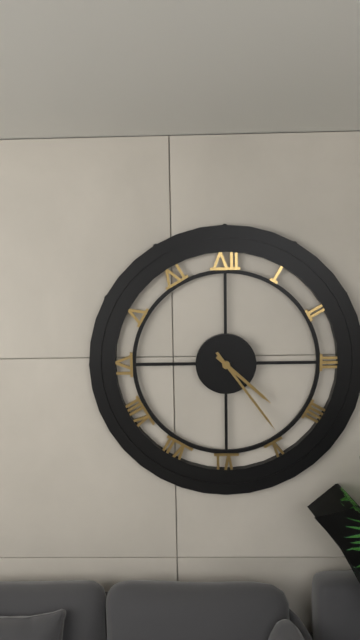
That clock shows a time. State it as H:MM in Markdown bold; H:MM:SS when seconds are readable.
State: **4:24**
